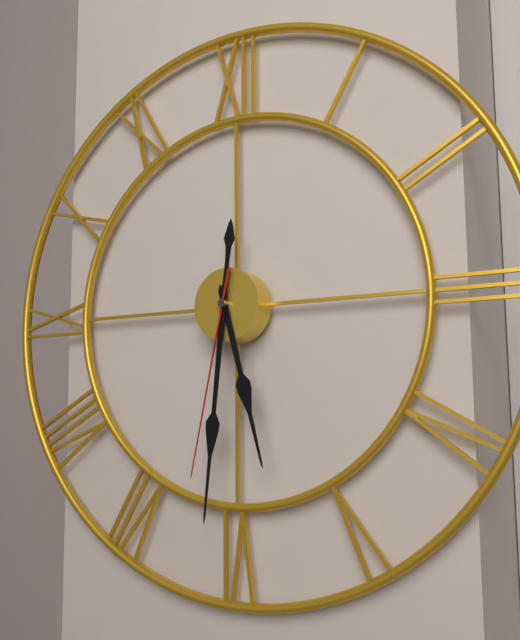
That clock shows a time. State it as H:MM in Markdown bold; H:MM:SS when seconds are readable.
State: **5:31:32**
